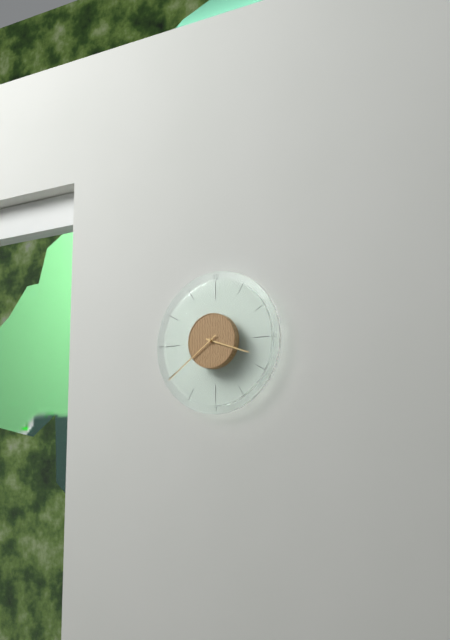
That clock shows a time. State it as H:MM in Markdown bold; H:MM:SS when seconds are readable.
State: **3:39**
